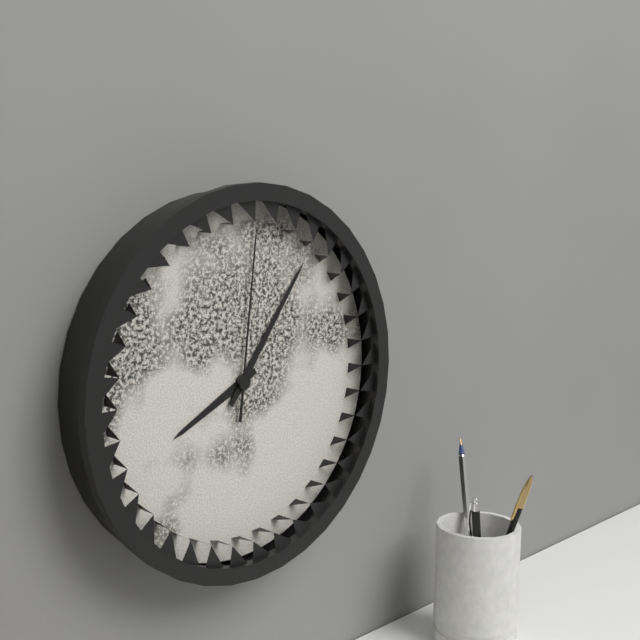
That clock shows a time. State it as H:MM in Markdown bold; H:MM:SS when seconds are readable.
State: **8:06:01**
